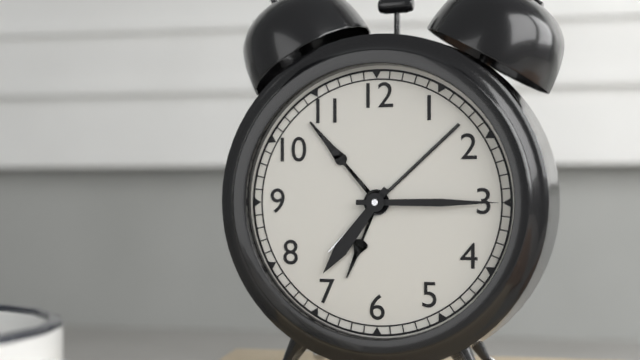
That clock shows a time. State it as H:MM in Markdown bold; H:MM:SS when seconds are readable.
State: **7:15**
